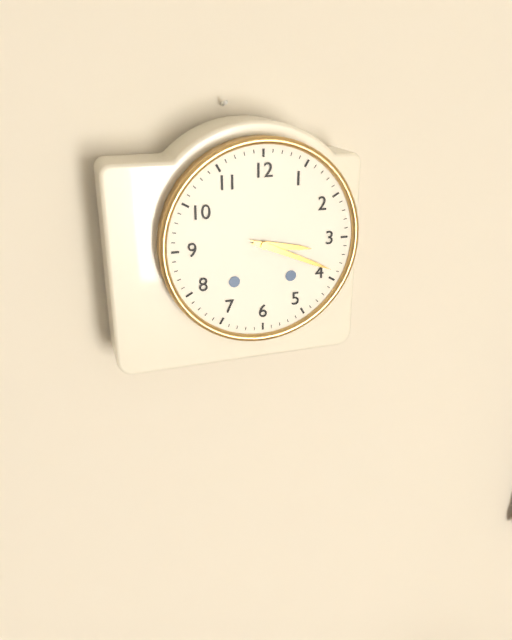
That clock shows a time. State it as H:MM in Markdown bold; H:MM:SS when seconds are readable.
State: **3:19**
